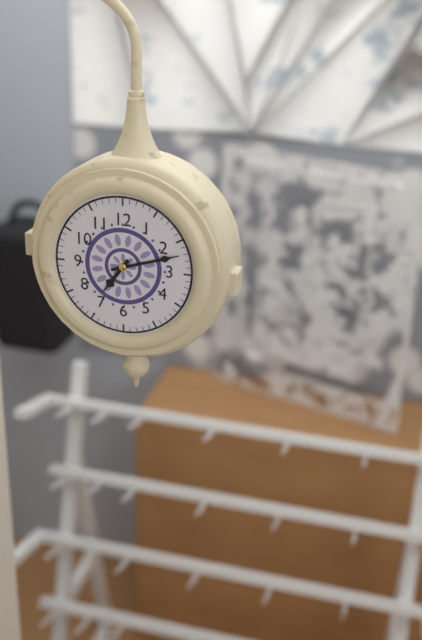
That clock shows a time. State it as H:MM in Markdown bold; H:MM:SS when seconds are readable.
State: **7:12**
